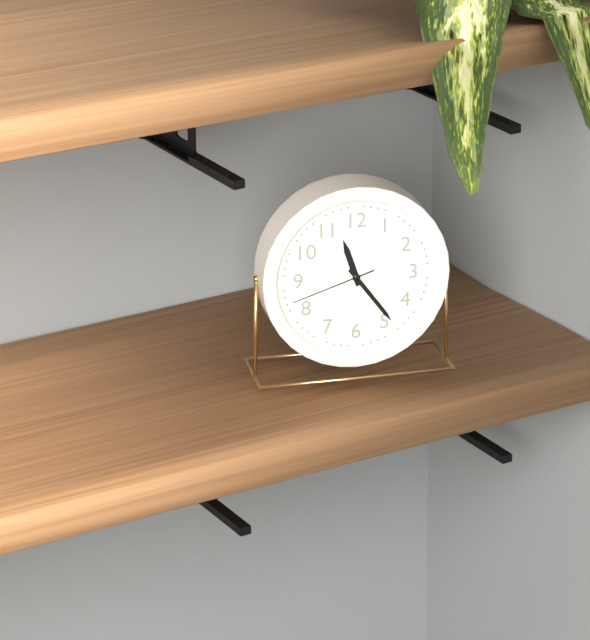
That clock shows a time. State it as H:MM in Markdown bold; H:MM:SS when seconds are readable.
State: **11:24:42**
